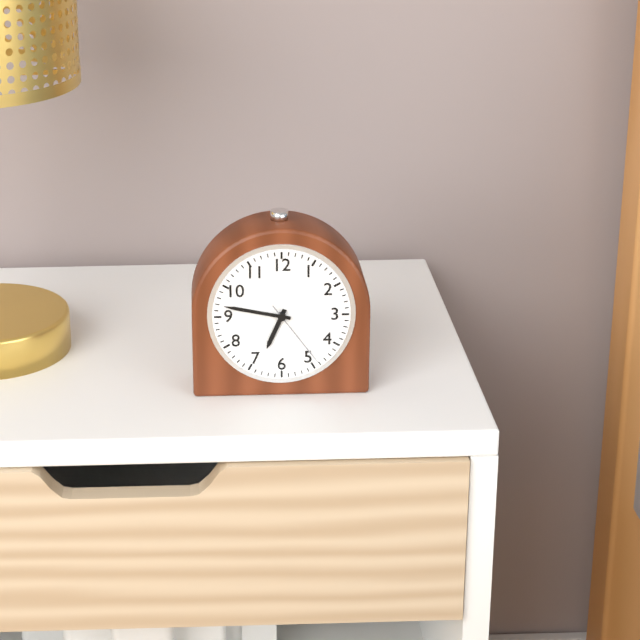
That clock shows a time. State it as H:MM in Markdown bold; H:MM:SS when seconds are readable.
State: **6:47:24**
